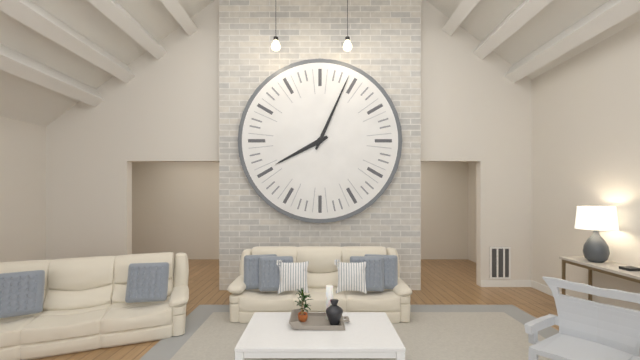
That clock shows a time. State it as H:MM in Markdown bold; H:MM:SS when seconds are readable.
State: **8:04**
